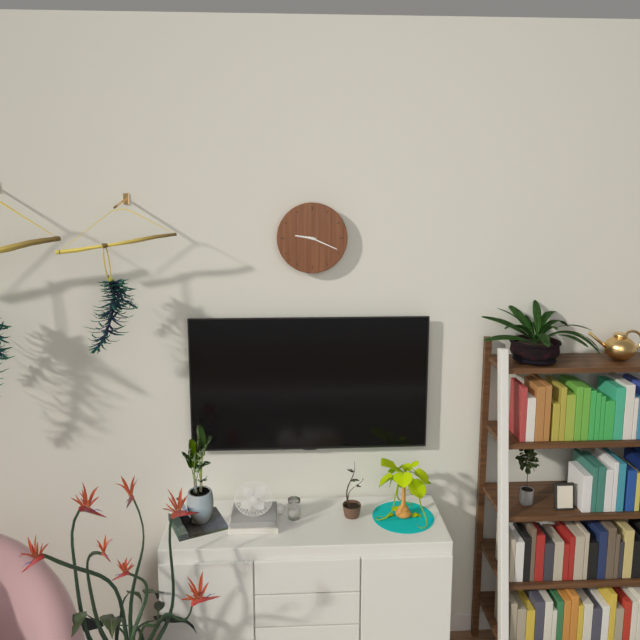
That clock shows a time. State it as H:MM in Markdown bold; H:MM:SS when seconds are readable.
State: **9:19**
